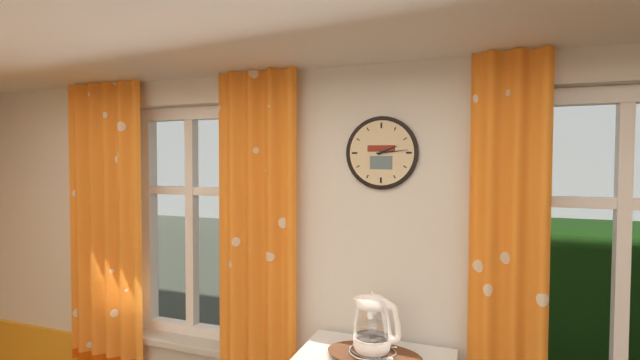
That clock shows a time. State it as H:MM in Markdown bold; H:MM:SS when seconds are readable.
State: **2:14**
